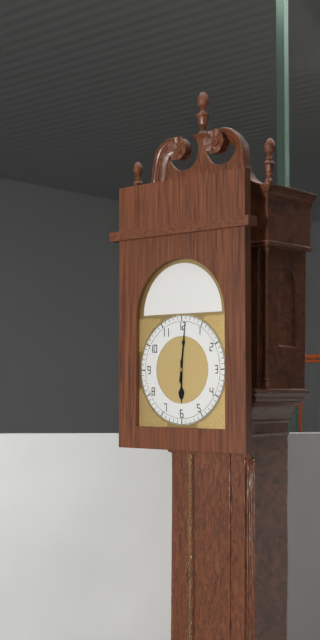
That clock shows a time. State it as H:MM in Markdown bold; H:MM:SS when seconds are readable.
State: **6:01**
